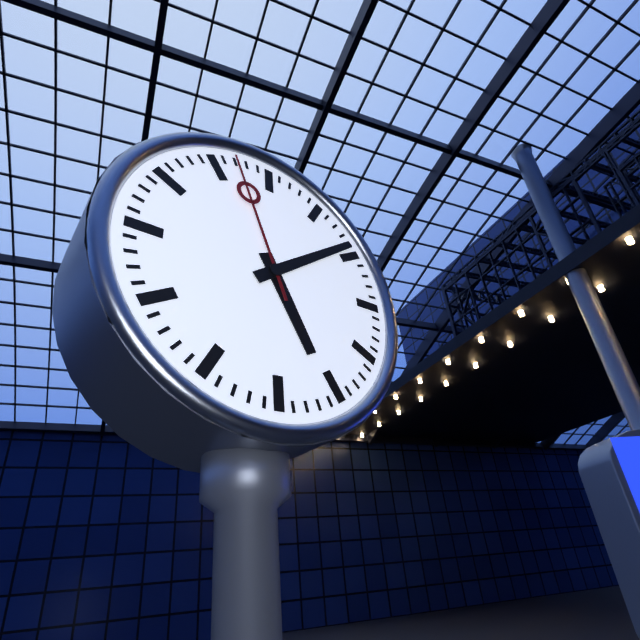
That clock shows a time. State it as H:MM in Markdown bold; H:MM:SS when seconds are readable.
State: **5:09:57**
